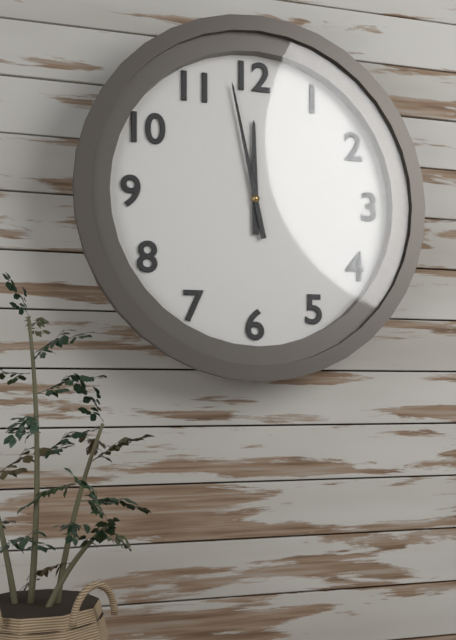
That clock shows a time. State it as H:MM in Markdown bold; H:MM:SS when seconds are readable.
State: **11:58**
